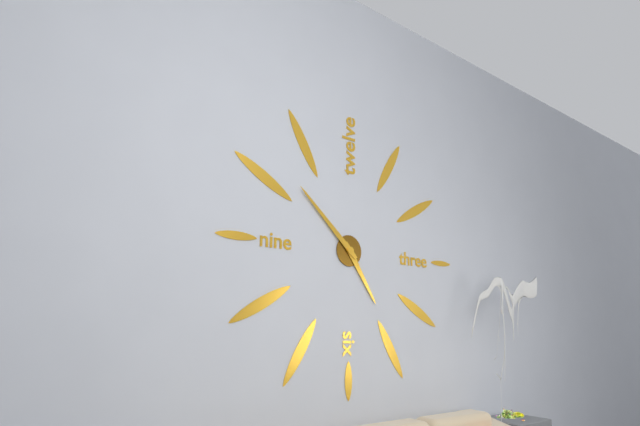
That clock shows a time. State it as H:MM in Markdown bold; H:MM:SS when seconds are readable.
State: **4:52**
